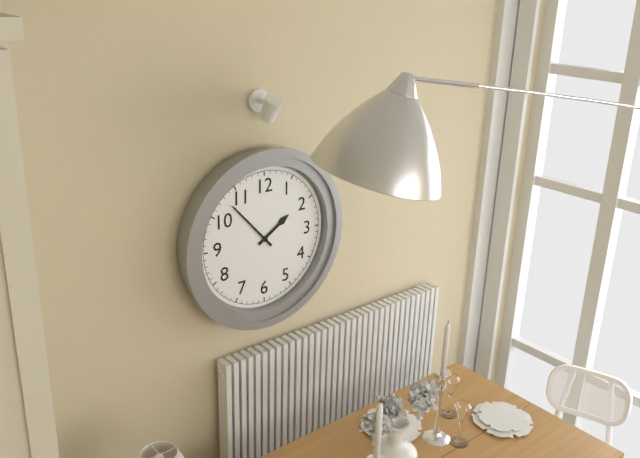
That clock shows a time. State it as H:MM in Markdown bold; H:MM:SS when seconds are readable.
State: **1:53**
